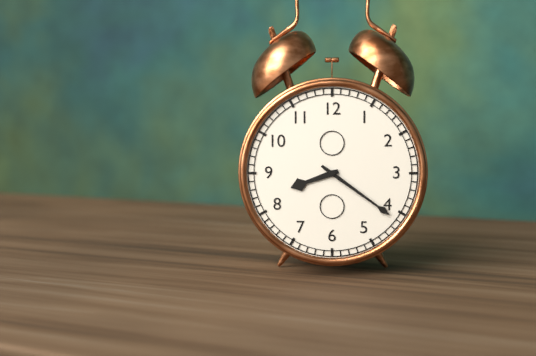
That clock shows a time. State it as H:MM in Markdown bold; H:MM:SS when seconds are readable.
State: **8:21**
